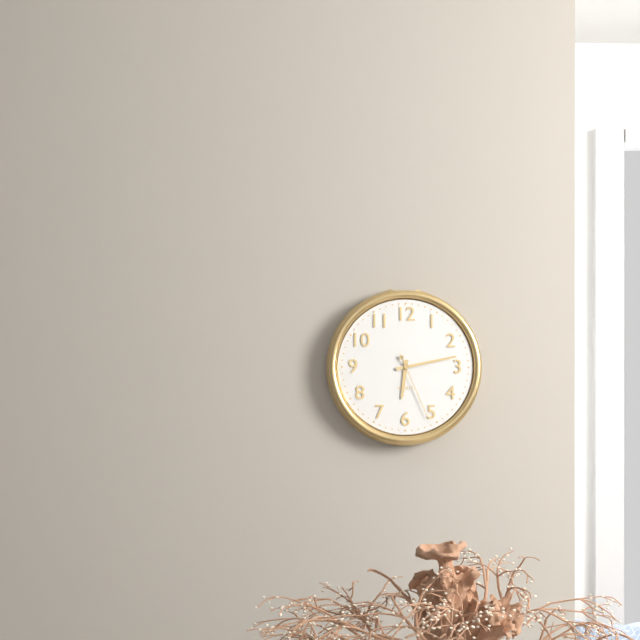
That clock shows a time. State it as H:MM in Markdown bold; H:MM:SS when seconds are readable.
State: **6:13:26**
